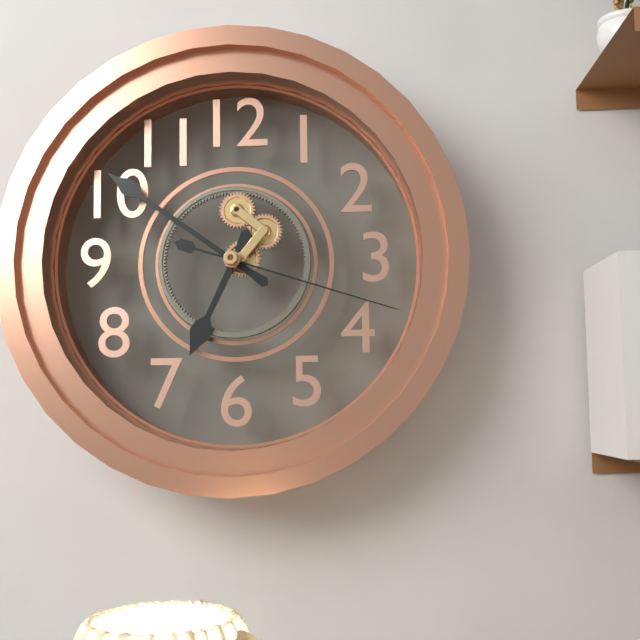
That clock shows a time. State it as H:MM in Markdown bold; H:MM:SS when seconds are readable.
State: **6:51:18**
